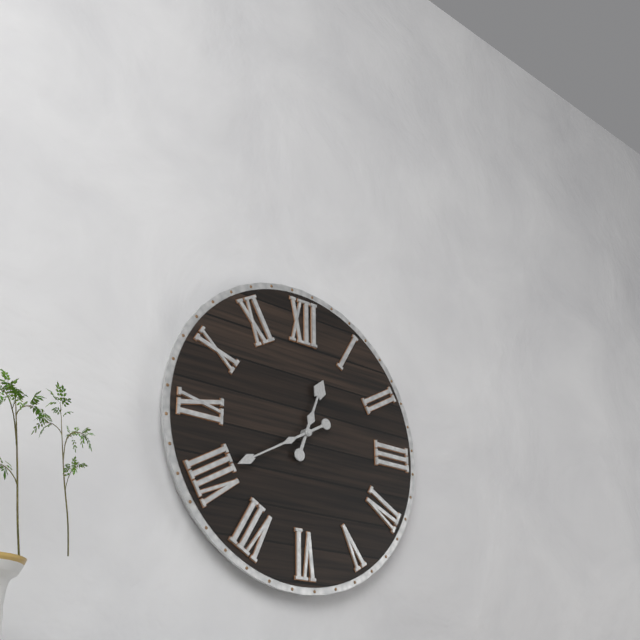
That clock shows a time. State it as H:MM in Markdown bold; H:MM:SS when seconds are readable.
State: **12:40**
